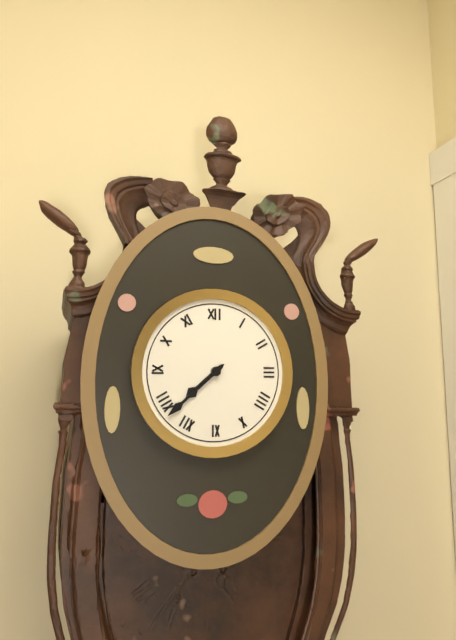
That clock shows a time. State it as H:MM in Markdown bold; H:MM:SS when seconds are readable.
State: **7:38**
